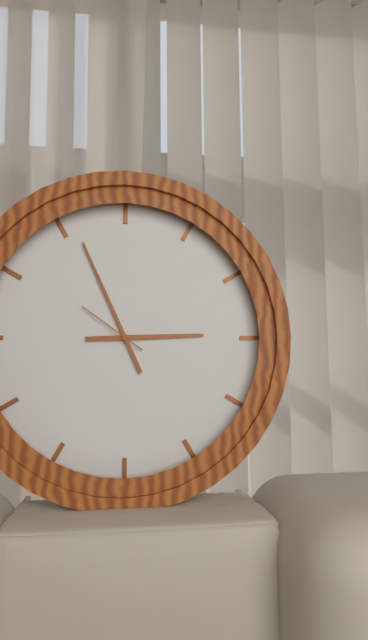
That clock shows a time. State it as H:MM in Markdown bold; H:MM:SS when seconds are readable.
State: **2:56:51**
